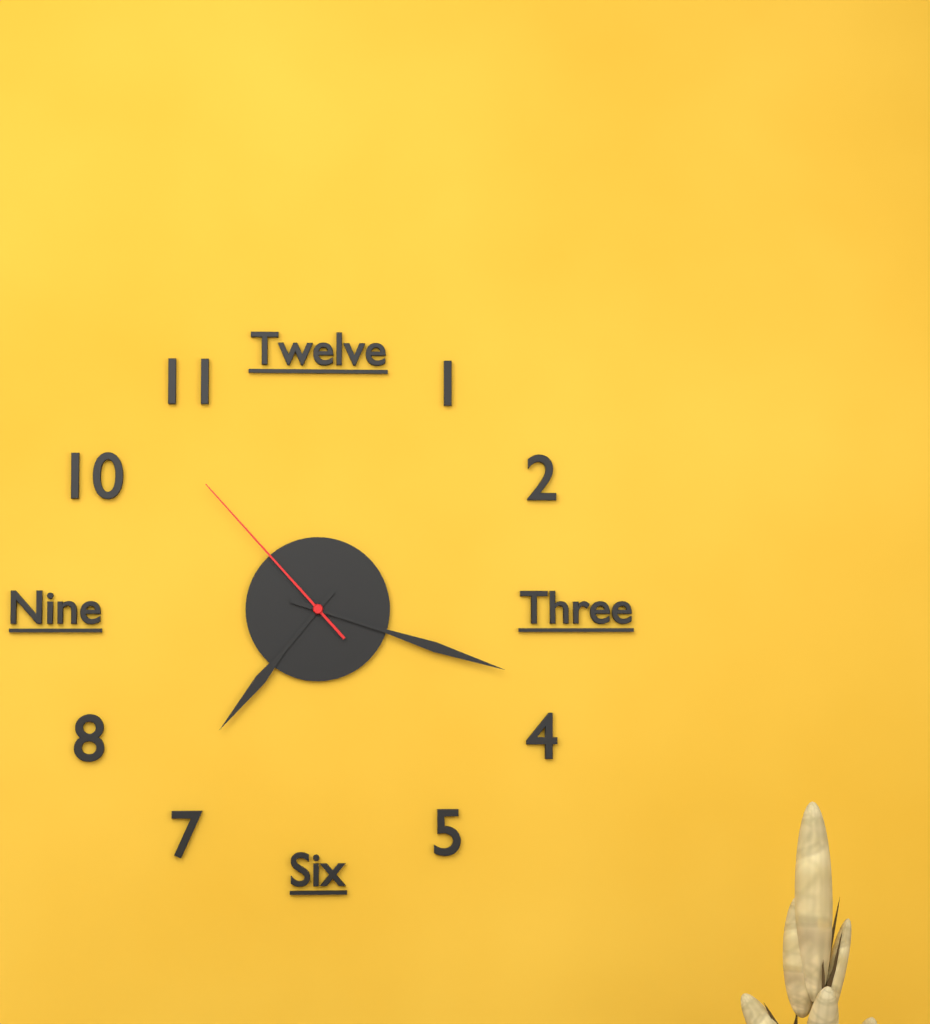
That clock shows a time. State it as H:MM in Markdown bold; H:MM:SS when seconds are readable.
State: **7:18:53**
